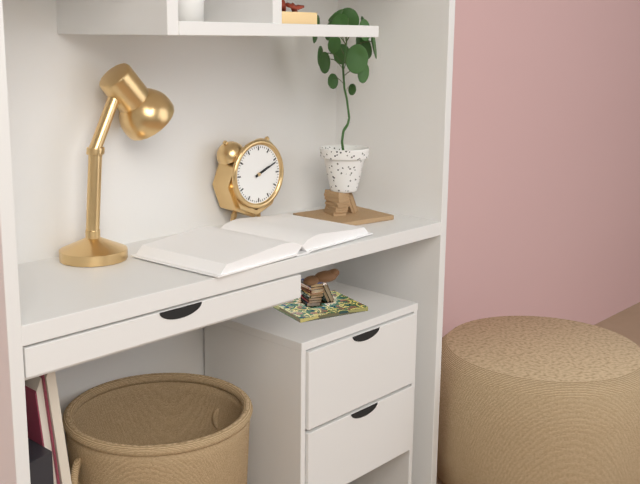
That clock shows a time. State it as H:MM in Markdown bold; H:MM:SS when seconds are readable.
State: **2:11**
